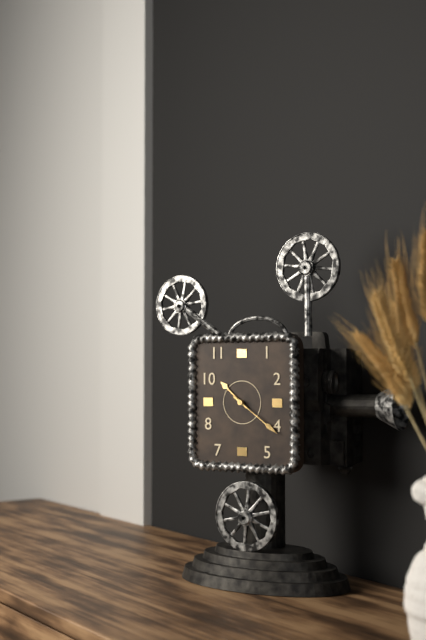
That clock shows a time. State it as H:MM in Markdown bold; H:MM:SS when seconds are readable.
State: **10:21**
